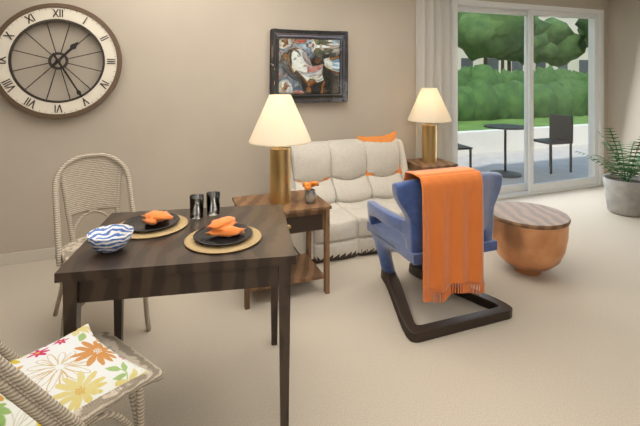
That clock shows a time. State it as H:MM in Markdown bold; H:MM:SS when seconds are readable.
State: **1:25**
